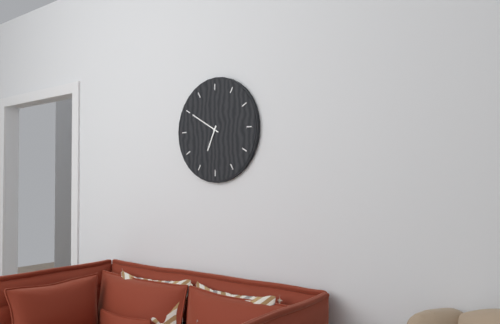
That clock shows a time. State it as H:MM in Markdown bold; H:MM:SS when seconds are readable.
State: **6:50**
